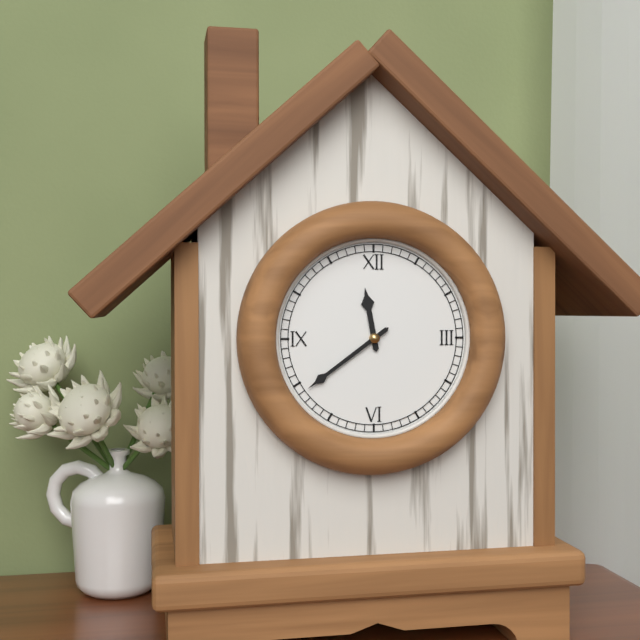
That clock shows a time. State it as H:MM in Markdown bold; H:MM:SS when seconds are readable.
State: **11:39**
